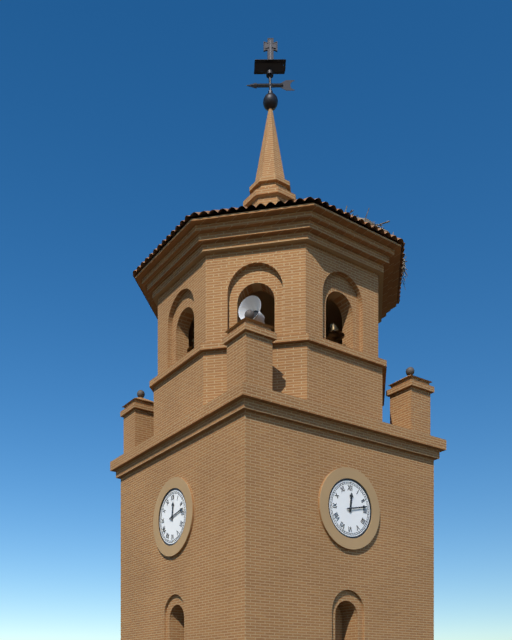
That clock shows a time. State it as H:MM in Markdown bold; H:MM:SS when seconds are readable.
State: **12:13**
